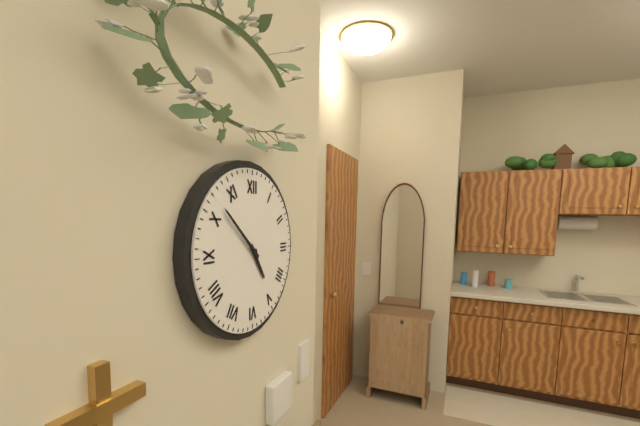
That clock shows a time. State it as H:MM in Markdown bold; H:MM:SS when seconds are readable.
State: **4:52**
